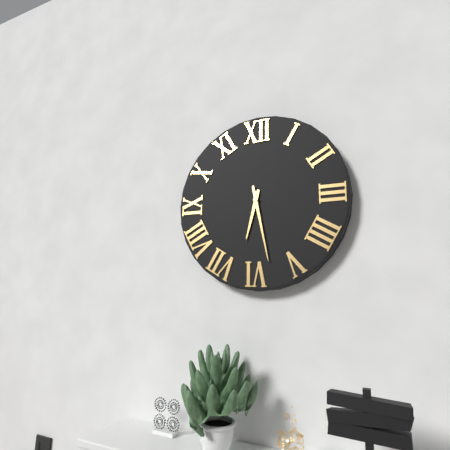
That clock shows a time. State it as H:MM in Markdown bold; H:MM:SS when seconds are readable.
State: **6:28**
